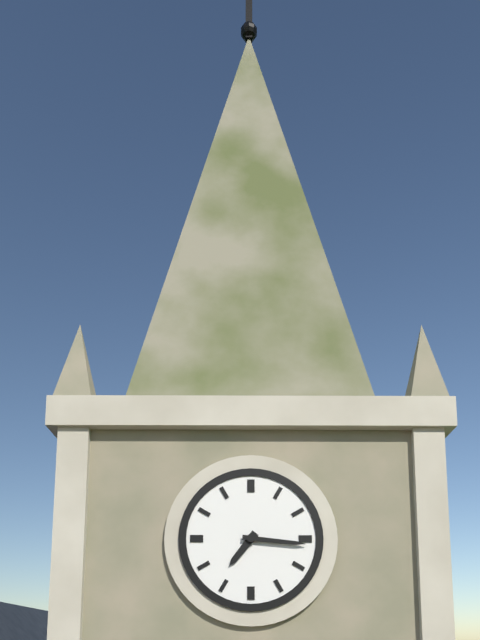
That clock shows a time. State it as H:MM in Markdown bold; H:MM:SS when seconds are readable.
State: **7:16**
